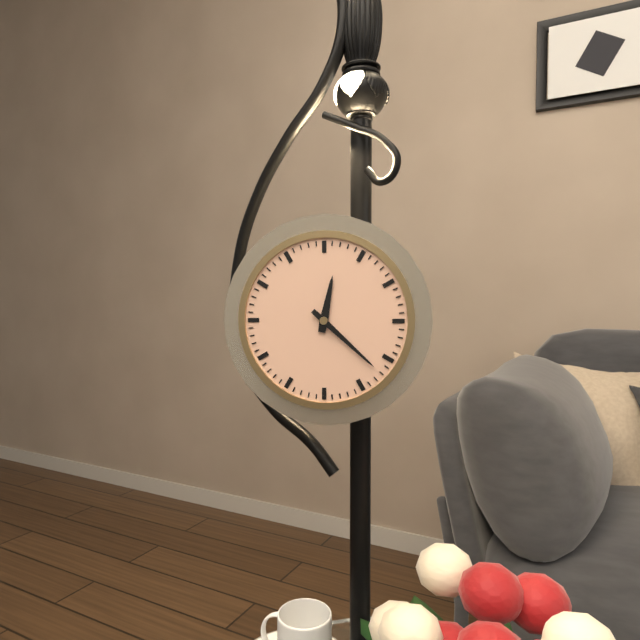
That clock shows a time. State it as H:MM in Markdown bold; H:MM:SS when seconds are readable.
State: **12:22**
